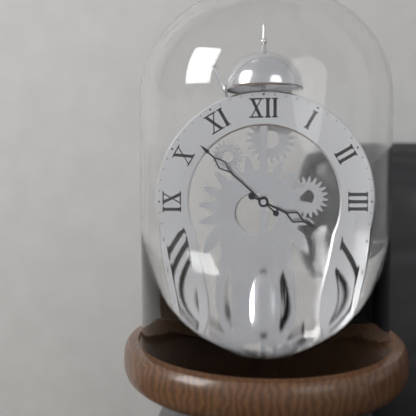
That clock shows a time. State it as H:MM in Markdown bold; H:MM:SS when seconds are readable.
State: **3:52**
